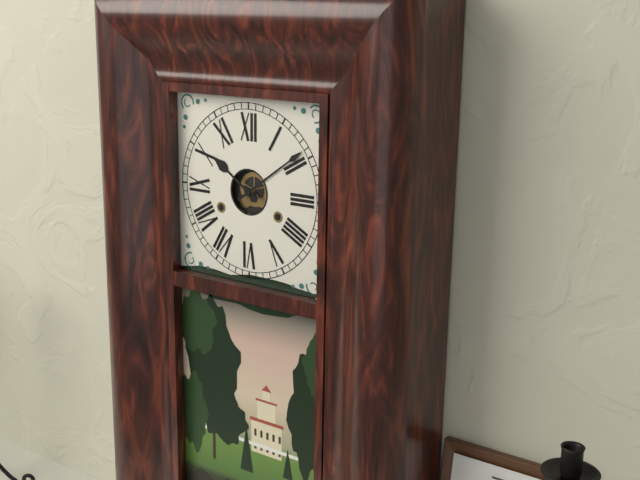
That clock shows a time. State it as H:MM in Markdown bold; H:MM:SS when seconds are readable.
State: **10:09**
